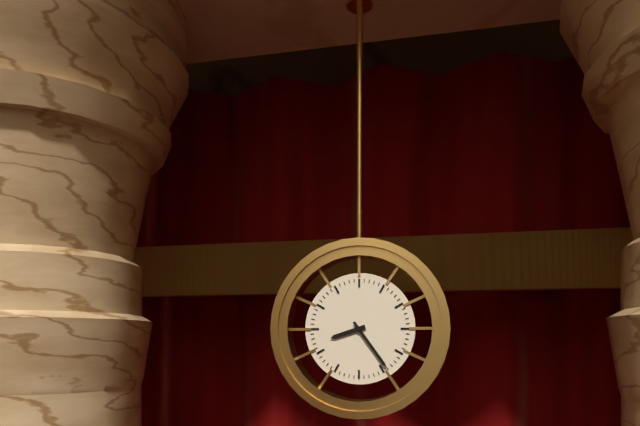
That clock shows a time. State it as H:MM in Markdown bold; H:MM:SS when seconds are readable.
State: **8:24**
